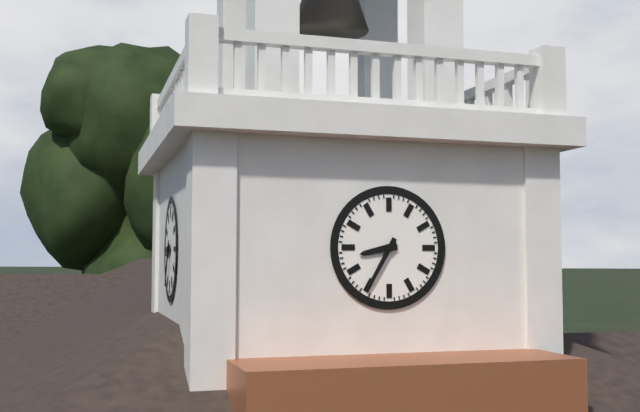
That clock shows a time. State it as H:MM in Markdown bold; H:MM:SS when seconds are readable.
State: **8:35**
